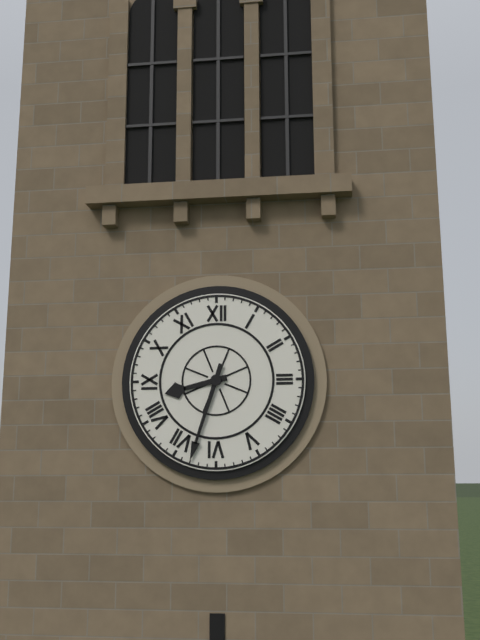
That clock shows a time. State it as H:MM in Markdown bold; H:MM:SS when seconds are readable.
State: **8:33**
